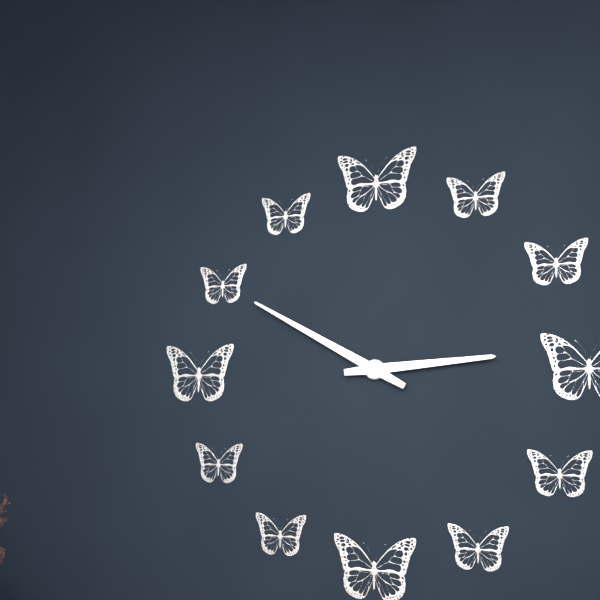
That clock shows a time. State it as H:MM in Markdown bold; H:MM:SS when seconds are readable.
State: **2:50**
